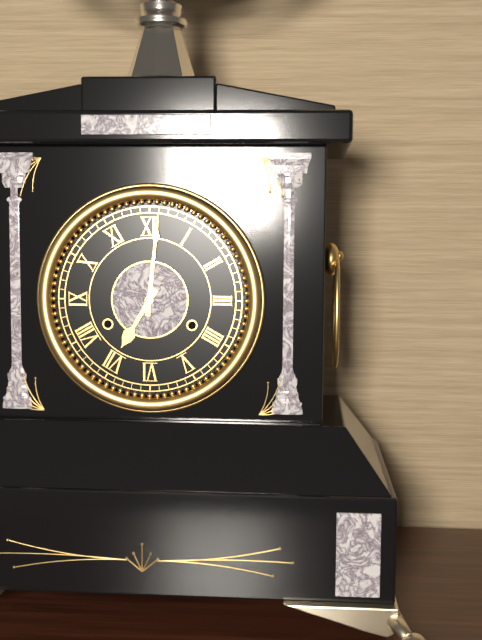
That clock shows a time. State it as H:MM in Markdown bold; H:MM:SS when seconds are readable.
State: **7:01**
